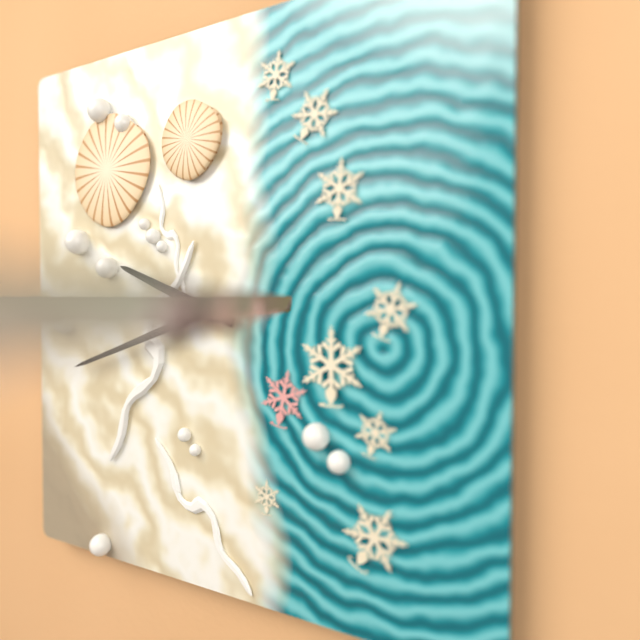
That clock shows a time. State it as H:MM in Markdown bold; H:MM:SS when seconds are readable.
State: **9:42**
